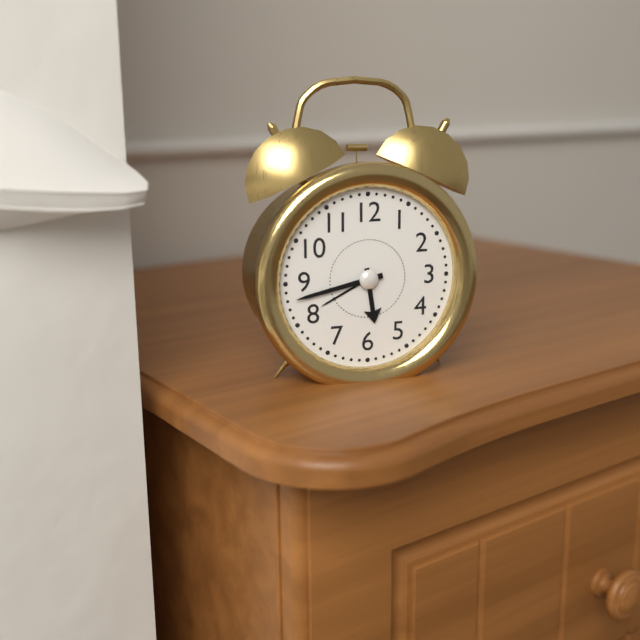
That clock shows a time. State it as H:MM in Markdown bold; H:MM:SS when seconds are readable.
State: **5:43**
